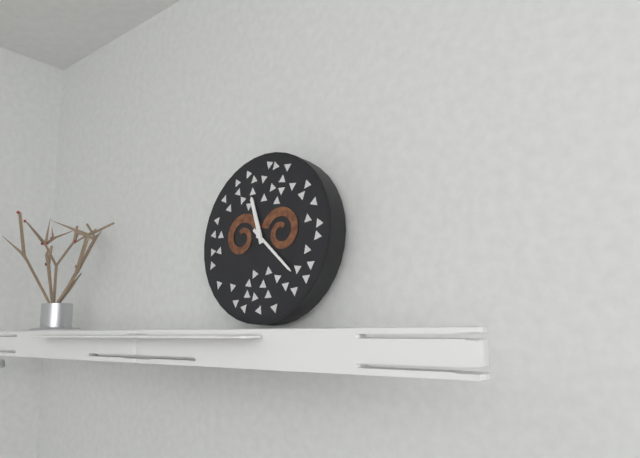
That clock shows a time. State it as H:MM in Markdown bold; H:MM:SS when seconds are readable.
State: **11:22**
